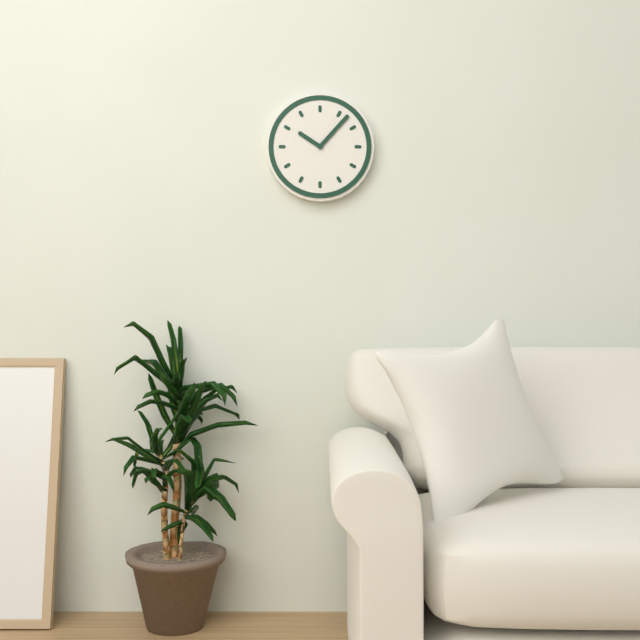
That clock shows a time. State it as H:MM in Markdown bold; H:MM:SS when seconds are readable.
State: **10:07**
